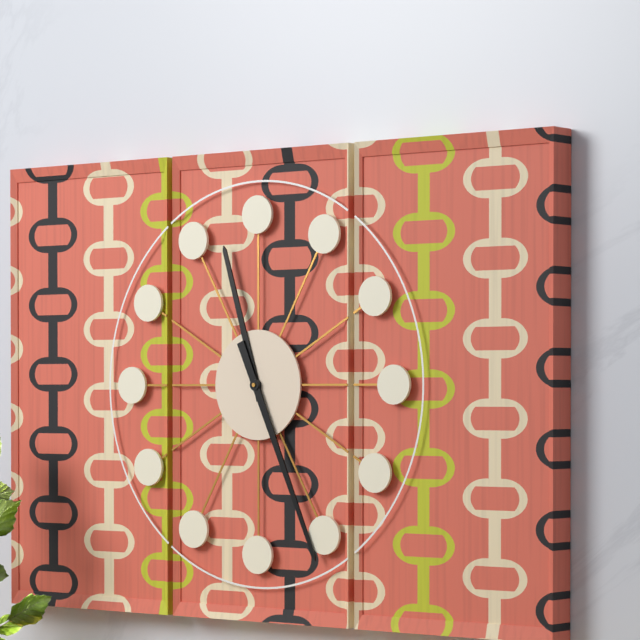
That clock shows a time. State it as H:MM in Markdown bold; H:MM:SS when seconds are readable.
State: **11:26**
